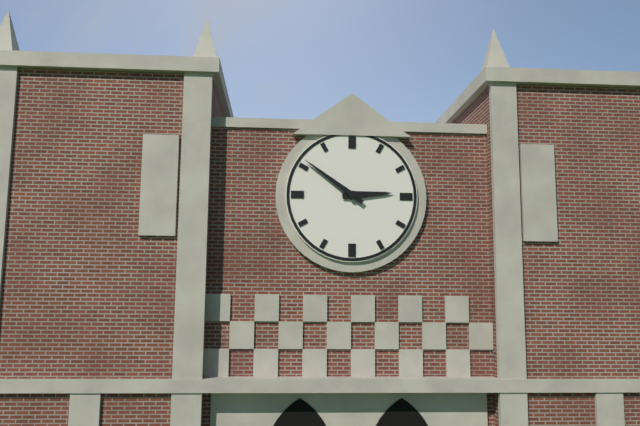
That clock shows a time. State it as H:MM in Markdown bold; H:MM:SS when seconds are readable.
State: **2:51**
